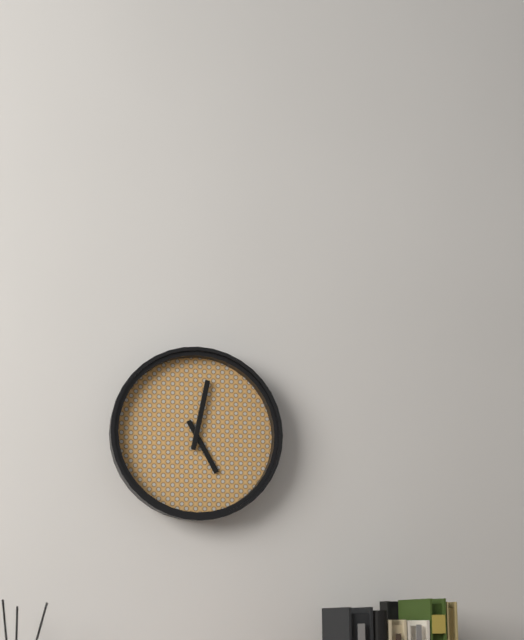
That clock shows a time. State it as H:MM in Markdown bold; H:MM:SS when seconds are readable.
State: **5:02**
